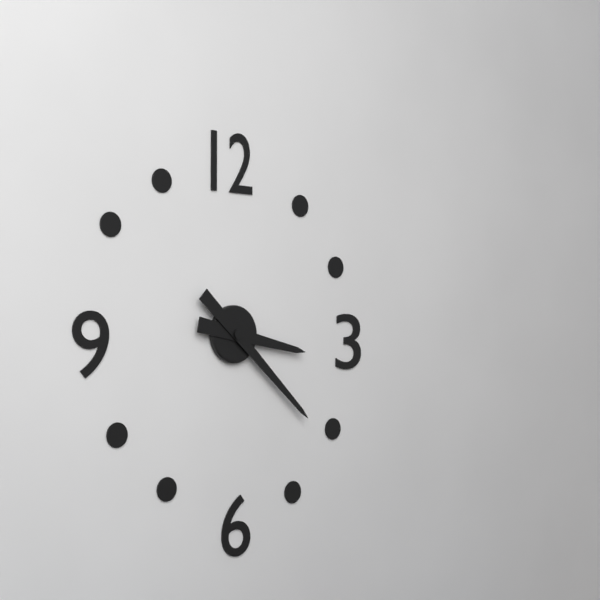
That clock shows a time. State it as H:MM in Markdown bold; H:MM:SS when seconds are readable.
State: **3:22**
